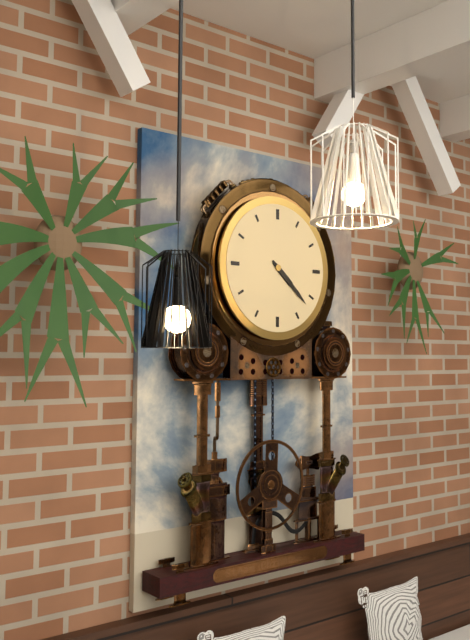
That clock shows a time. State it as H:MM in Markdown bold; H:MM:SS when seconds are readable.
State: **4:22**
